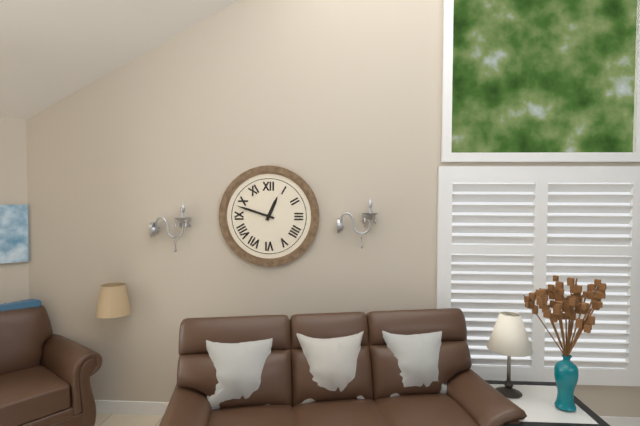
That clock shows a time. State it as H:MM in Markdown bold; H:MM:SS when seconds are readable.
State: **12:48**
